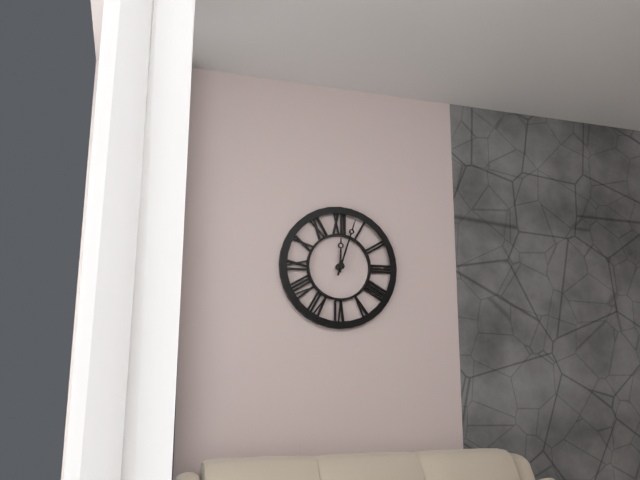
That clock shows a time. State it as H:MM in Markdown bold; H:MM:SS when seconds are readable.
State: **12:03**
